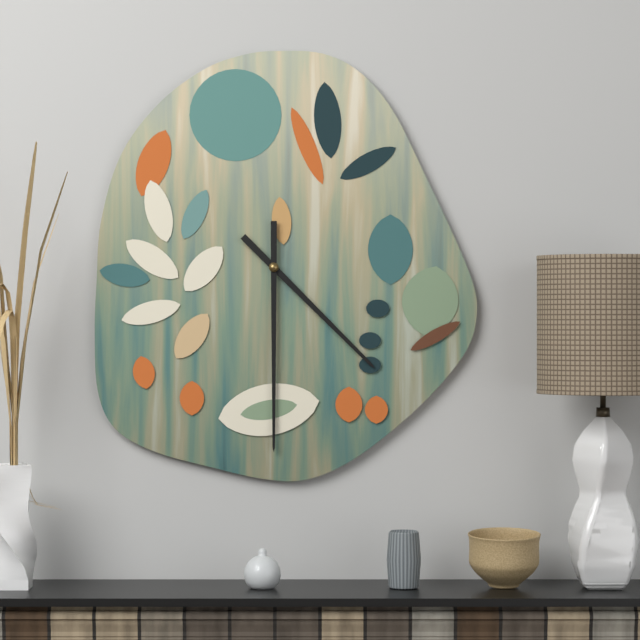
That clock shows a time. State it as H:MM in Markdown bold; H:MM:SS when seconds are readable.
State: **4:30**
